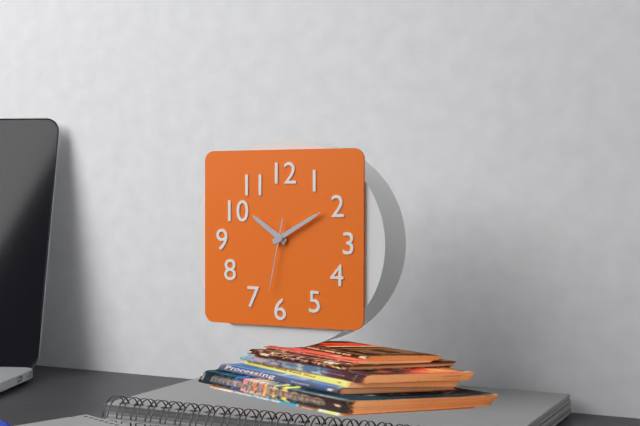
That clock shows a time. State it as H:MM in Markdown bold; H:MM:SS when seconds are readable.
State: **10:10:32**
